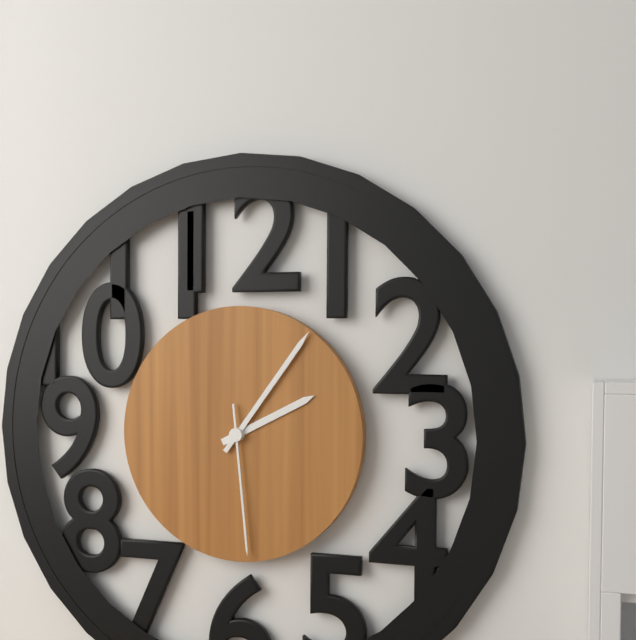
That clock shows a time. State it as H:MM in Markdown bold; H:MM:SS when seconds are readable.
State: **2:06:29**
